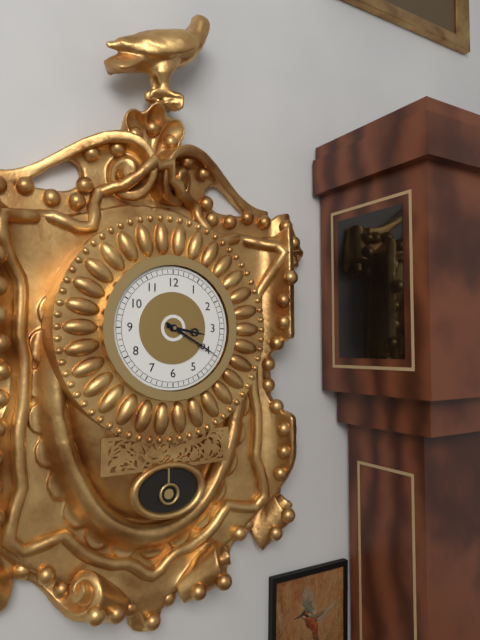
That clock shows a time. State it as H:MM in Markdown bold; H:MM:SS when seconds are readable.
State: **3:20**
